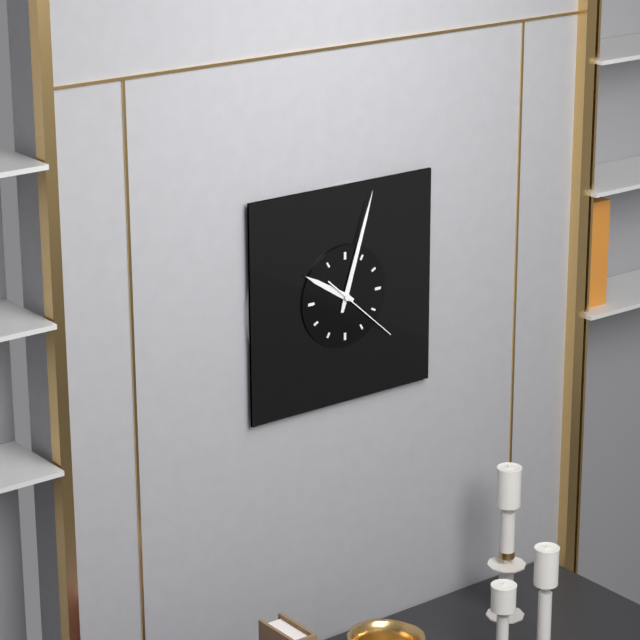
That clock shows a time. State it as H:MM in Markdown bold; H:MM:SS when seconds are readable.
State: **10:03:22**
